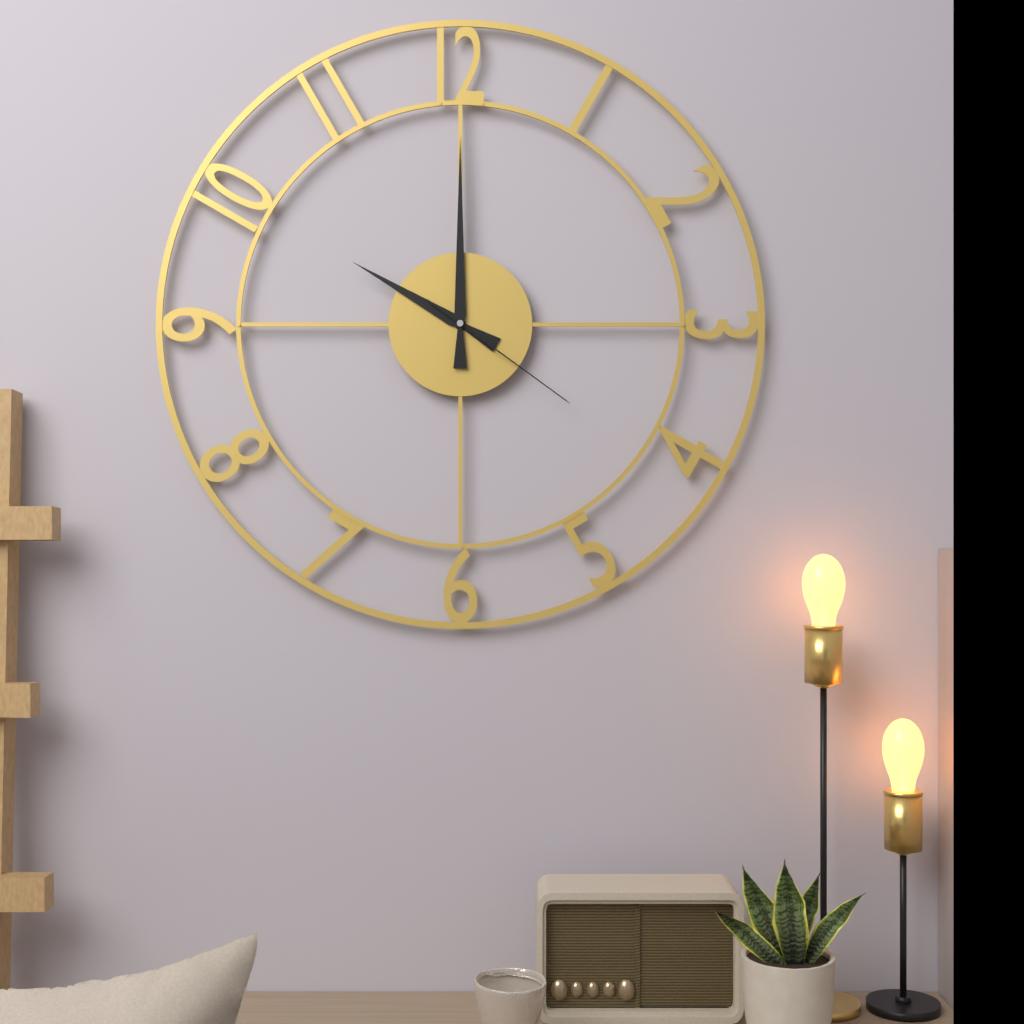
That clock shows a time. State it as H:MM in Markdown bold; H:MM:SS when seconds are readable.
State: **10:00:21**
